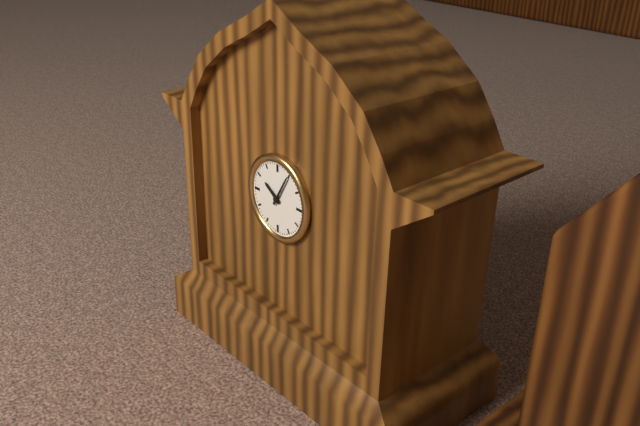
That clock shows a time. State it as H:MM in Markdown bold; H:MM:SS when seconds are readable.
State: **10:05**
